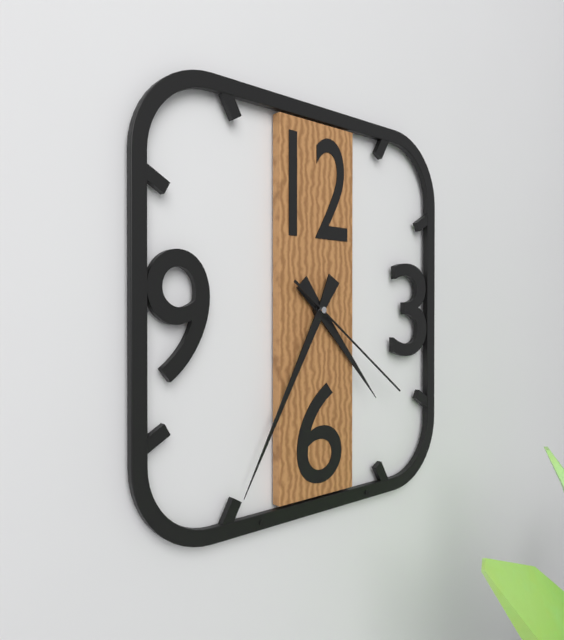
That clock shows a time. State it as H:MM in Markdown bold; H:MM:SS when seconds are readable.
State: **4:35:21**
